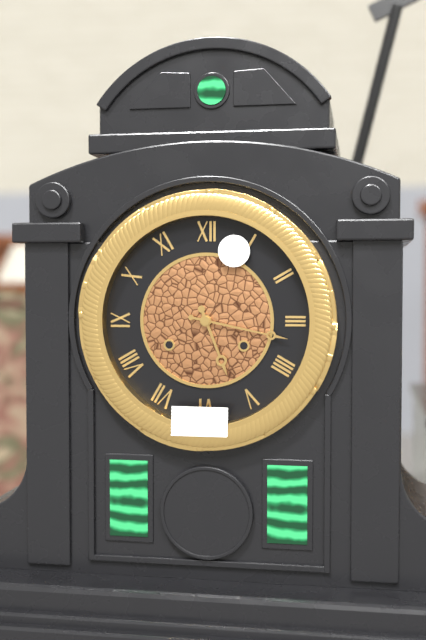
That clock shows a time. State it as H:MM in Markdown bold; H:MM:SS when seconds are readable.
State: **5:17**
